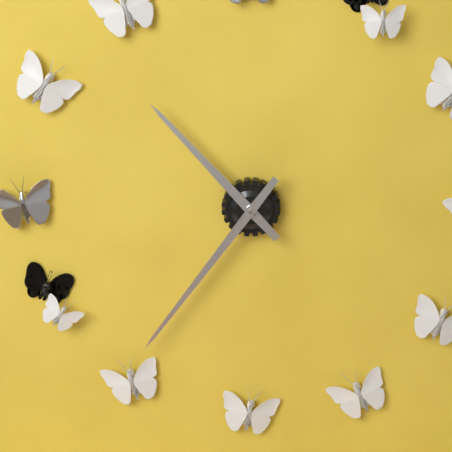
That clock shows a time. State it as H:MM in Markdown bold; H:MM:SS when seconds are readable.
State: **10:36**
